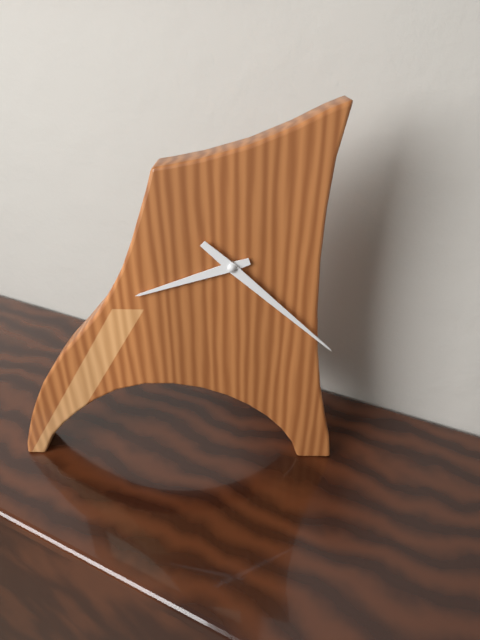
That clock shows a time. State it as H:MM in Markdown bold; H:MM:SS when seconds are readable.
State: **8:22**
